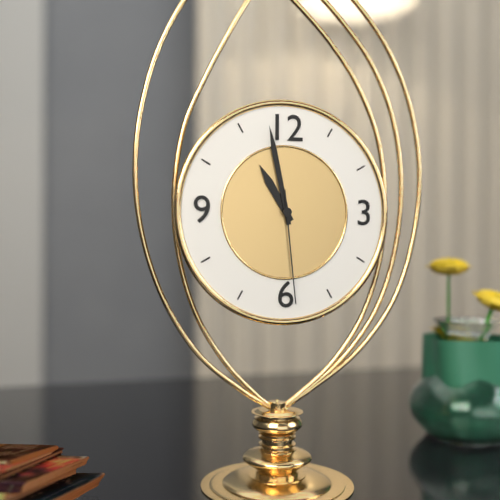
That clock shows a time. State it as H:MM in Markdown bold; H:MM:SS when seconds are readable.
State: **10:58:29**
